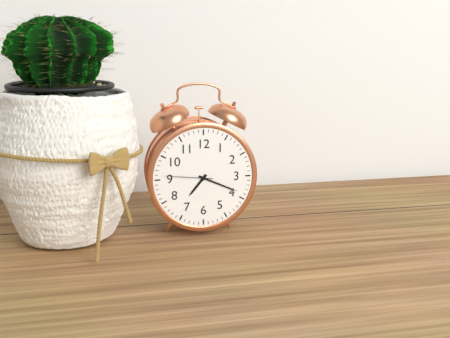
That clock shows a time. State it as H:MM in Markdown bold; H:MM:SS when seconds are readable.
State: **7:19:46**
